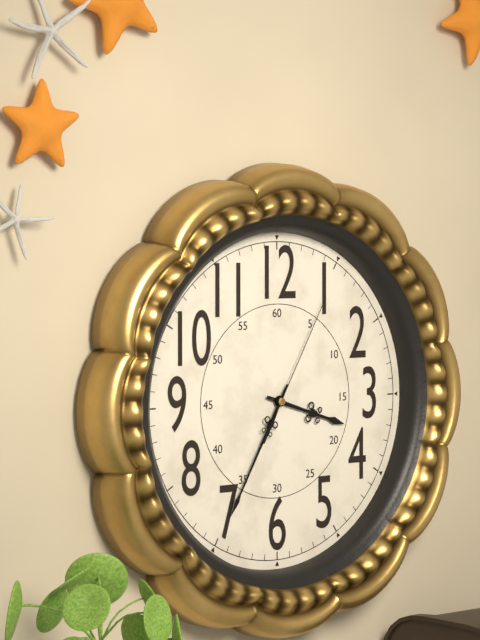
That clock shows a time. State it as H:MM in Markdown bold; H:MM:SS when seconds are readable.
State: **3:35:05**
